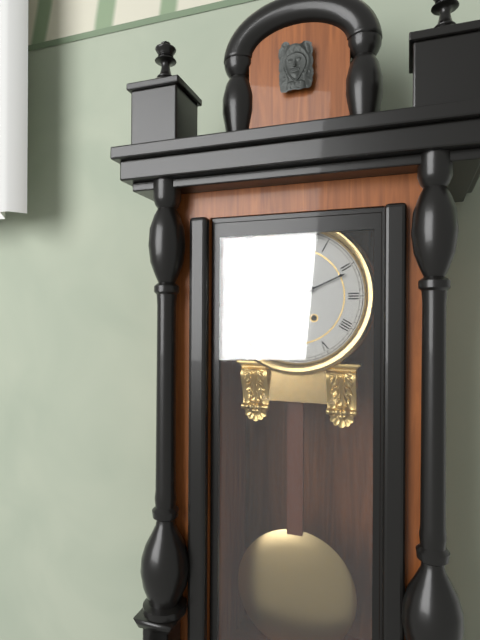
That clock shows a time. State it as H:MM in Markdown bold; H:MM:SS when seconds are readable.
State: **8:11**
